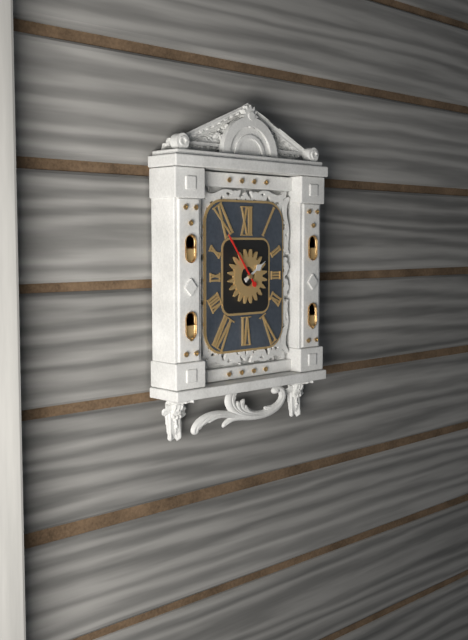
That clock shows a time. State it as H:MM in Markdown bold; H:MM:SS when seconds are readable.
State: **1:54**
